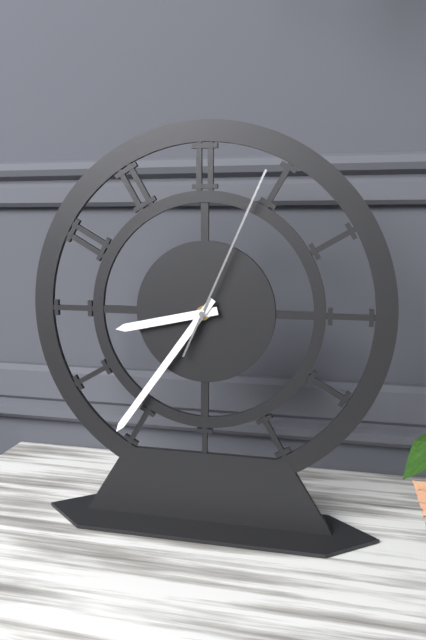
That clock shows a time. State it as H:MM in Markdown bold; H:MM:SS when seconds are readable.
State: **8:36:04**
